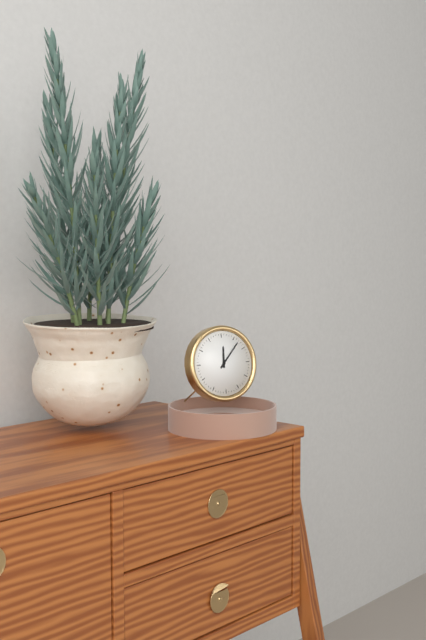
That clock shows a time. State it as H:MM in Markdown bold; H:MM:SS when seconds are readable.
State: **12:07**
